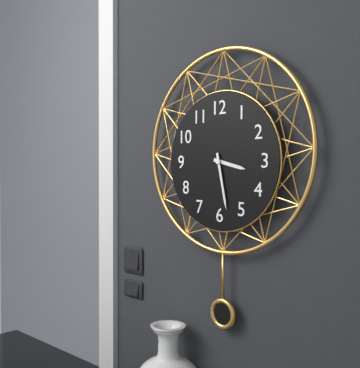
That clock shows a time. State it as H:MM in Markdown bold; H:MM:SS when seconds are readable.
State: **3:28**
